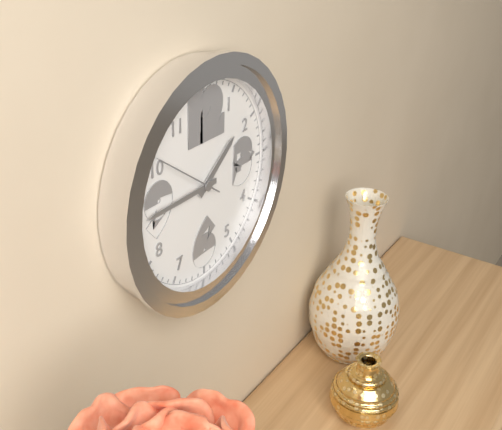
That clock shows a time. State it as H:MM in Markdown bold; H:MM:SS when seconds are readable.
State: **1:45:51**
